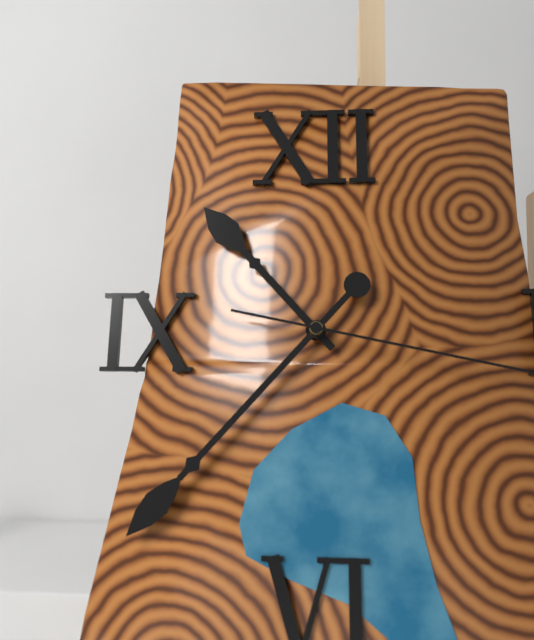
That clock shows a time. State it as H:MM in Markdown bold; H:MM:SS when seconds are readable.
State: **10:37**
